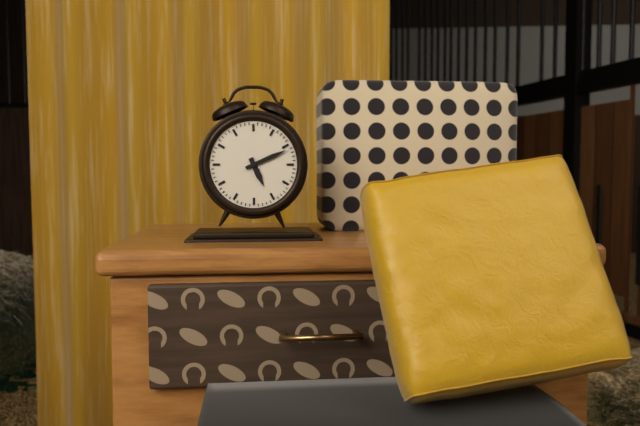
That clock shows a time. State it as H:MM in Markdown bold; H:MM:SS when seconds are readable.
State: **5:11**
